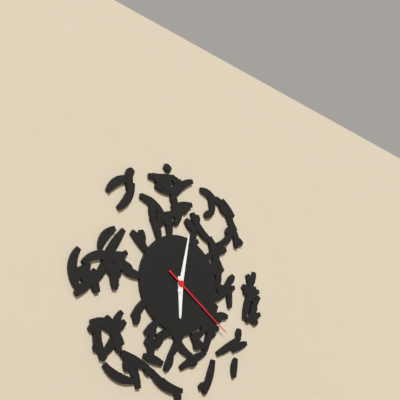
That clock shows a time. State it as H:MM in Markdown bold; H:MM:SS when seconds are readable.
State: **6:02:21**
